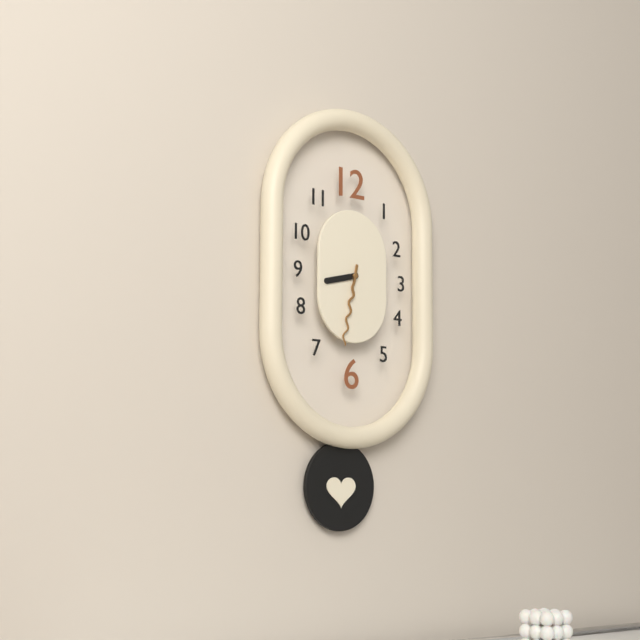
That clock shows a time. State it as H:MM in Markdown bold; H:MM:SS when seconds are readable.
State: **8:32**
